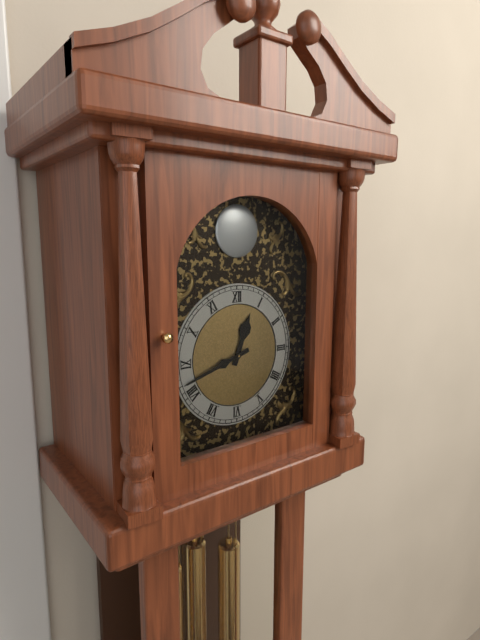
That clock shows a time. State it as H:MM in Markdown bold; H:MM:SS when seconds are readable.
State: **12:42**
